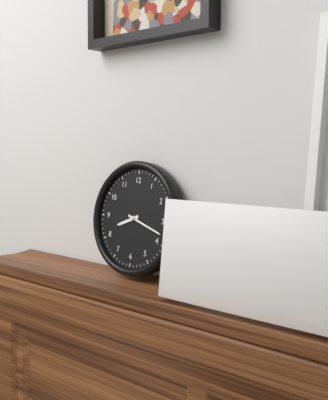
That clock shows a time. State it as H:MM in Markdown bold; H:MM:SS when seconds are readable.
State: **8:18**
